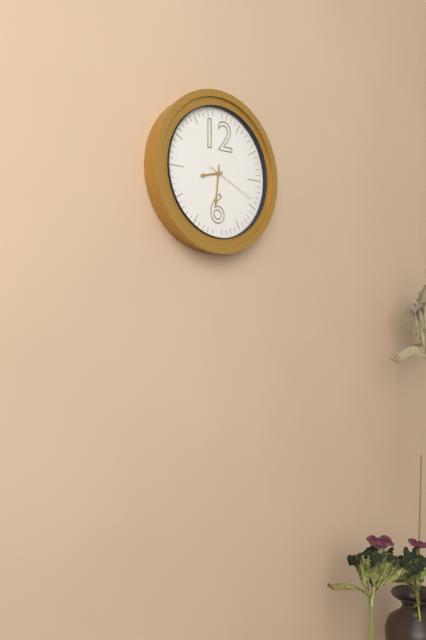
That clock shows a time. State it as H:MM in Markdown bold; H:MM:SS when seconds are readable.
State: **8:31:19**
